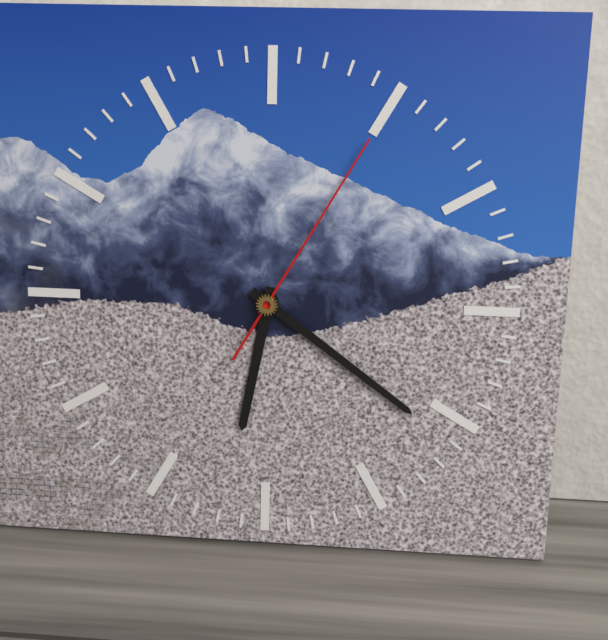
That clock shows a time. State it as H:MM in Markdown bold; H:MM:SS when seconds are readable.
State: **6:21:05**
